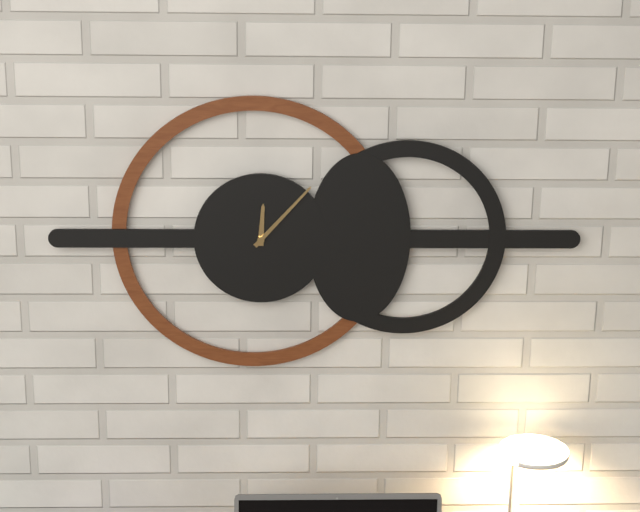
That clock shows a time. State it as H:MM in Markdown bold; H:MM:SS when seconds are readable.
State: **12:07**
